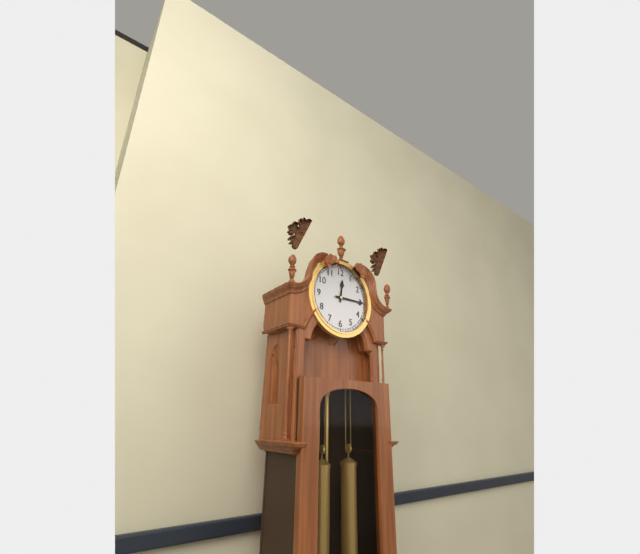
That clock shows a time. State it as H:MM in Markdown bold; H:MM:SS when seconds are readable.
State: **12:15**
